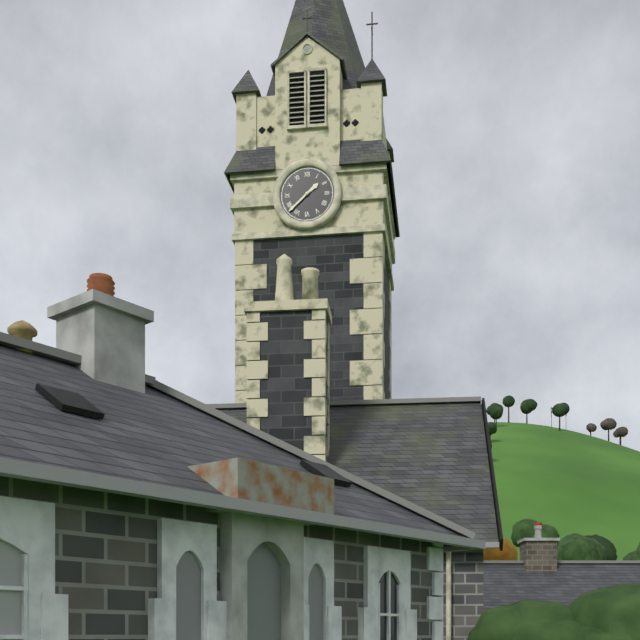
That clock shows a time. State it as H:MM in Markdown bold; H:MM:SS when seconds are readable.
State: **1:38**
